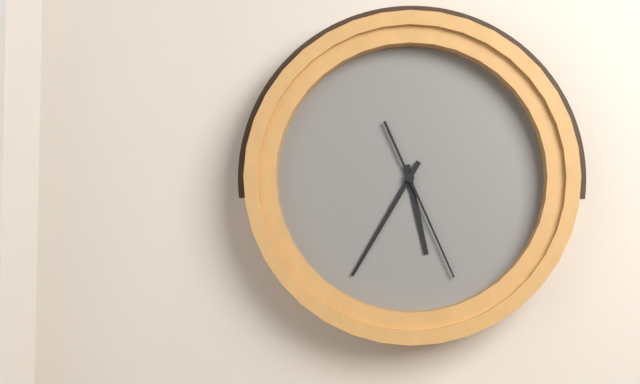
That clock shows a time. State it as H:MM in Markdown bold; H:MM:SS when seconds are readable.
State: **5:35:26**
